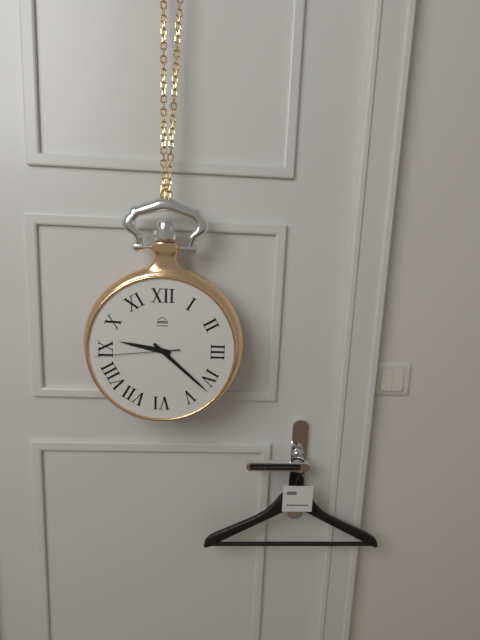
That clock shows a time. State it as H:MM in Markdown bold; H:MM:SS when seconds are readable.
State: **9:22:44**
